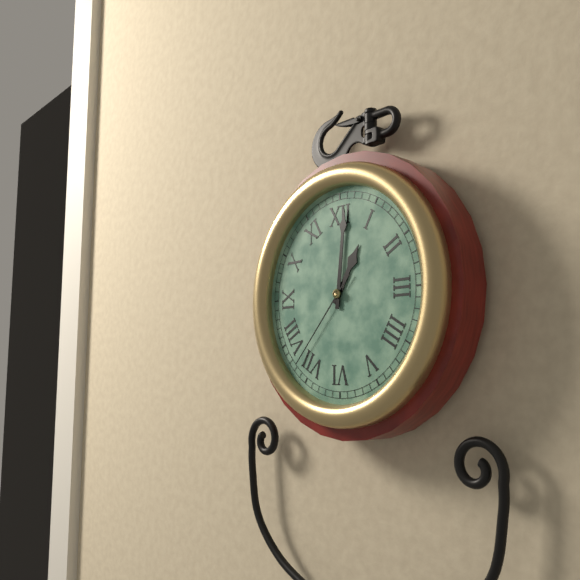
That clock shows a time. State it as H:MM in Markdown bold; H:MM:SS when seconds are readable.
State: **1:01:37**
